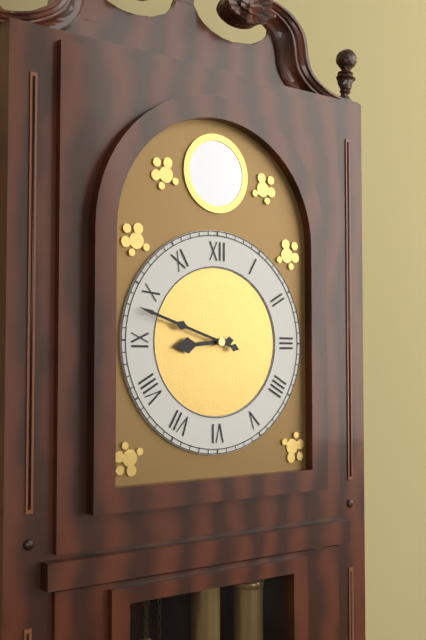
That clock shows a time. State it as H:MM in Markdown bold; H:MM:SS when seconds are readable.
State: **8:48**
